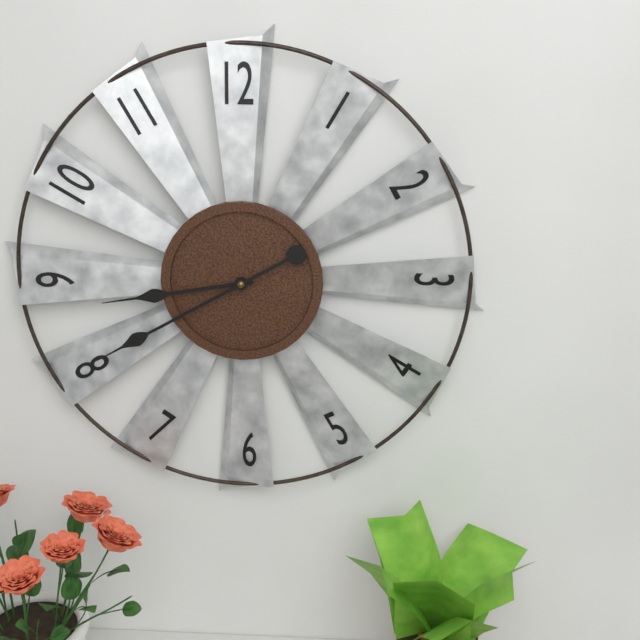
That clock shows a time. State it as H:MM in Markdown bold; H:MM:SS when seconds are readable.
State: **8:40**
